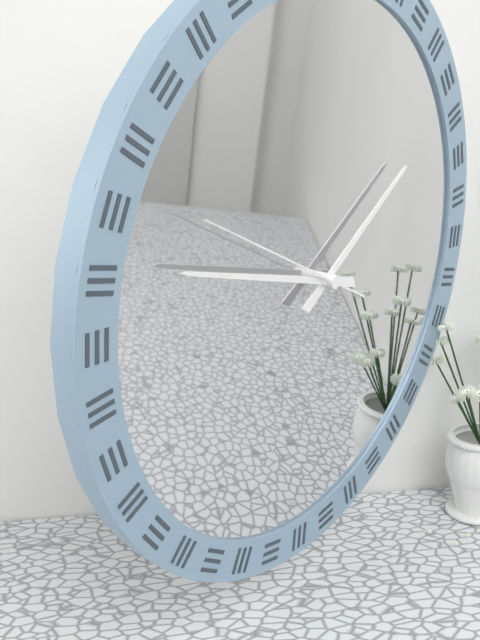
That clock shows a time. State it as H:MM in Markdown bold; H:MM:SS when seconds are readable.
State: **1:47:49**
